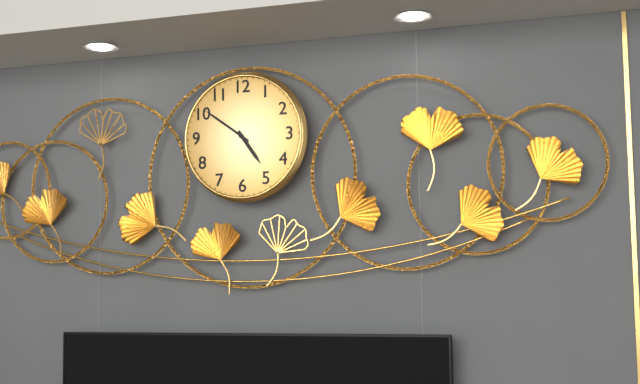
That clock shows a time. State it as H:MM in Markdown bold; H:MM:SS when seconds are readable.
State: **4:51**
